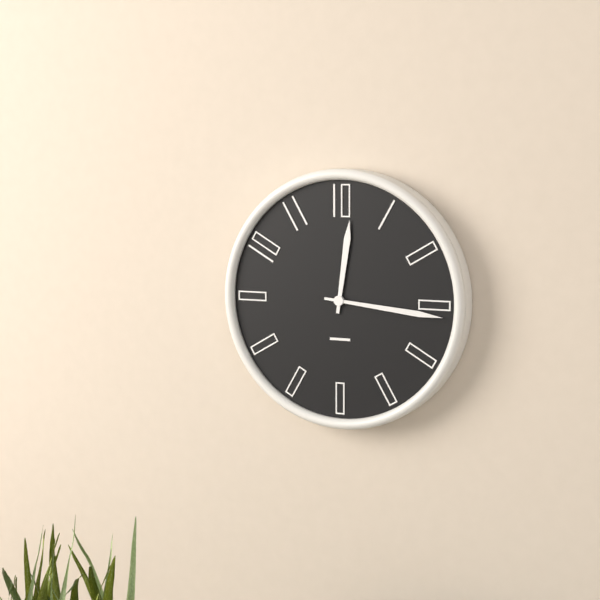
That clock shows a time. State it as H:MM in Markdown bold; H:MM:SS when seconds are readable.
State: **12:16**
